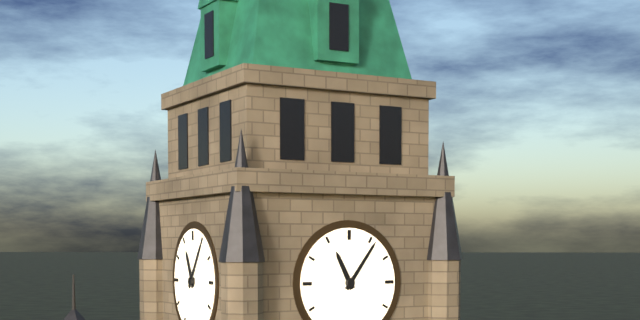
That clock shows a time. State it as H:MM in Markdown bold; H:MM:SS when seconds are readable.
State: **11:06**
